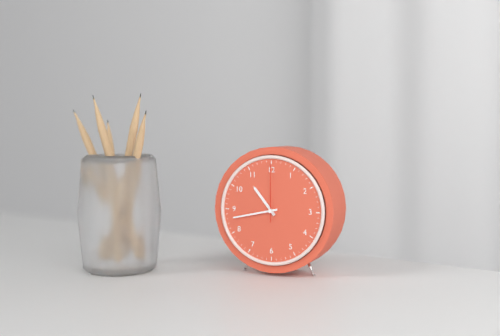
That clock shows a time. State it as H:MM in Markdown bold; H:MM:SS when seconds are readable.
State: **10:43:00**
